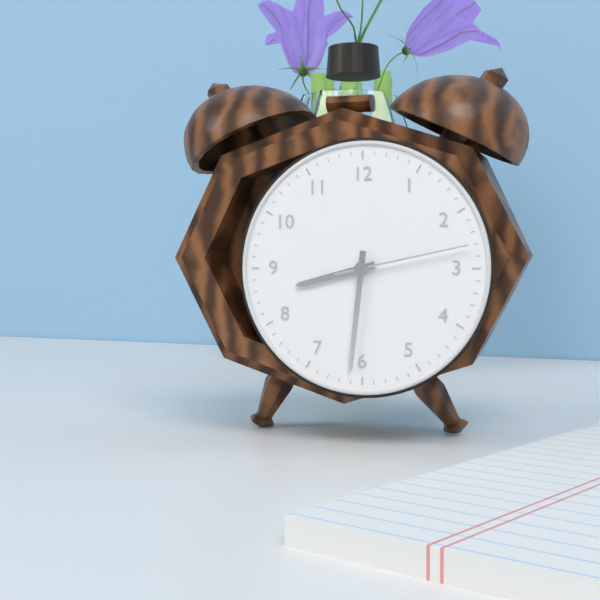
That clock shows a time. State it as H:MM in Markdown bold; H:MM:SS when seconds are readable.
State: **8:31:13**
